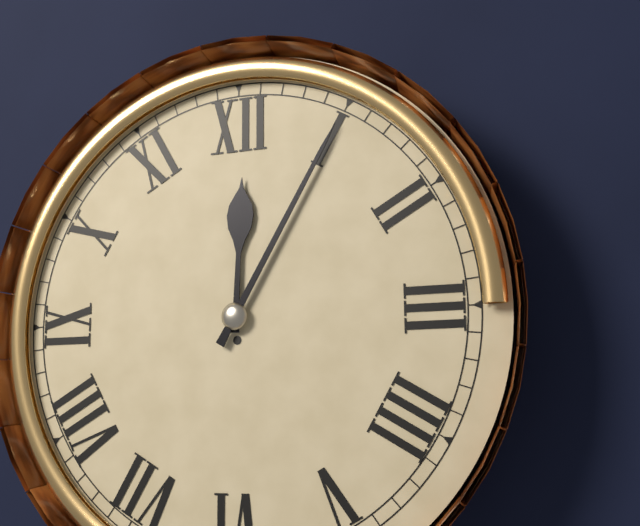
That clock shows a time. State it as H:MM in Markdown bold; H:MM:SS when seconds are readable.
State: **12:05**
